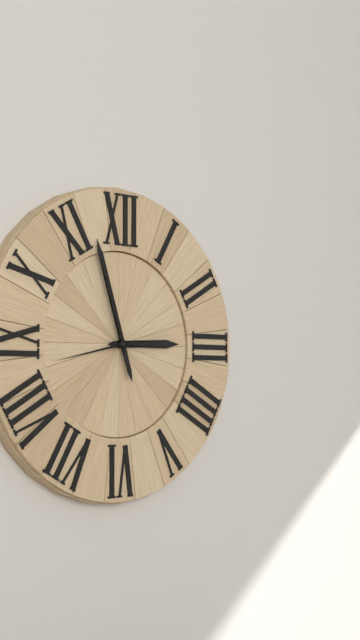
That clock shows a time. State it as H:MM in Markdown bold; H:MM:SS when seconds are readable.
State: **2:57:43**
